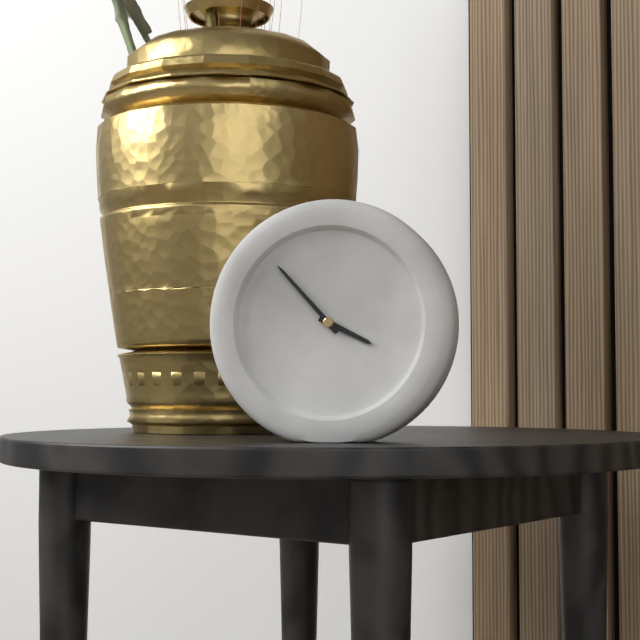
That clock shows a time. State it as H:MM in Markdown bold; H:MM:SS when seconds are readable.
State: **3:53**
